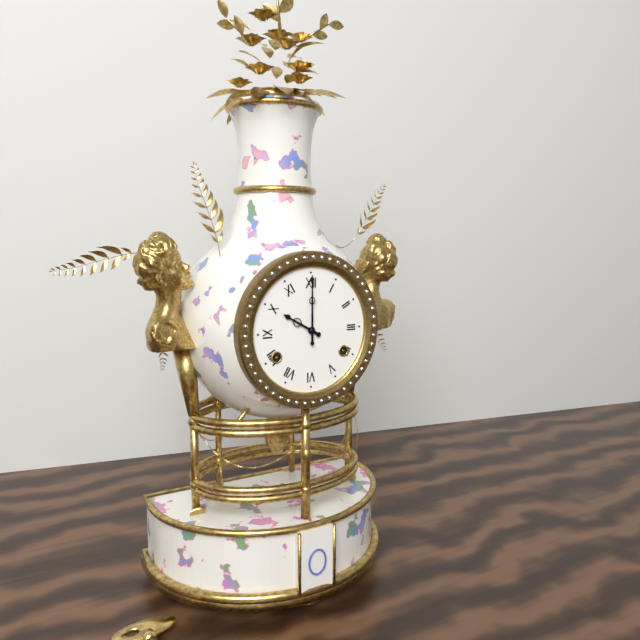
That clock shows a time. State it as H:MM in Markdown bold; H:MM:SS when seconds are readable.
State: **10:00**
